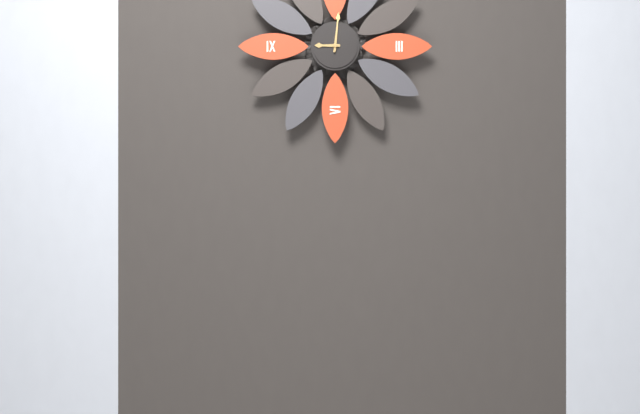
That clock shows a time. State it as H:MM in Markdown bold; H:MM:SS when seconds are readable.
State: **9:01**
